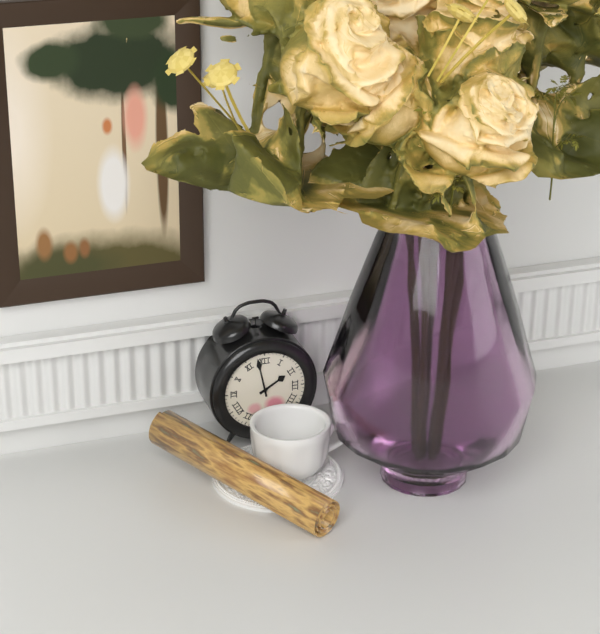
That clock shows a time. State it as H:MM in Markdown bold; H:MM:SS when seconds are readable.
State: **1:58**
